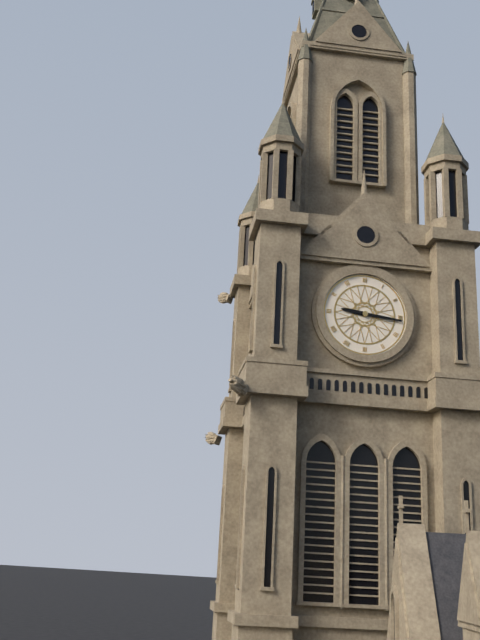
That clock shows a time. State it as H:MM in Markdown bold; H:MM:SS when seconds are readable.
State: **9:16**
